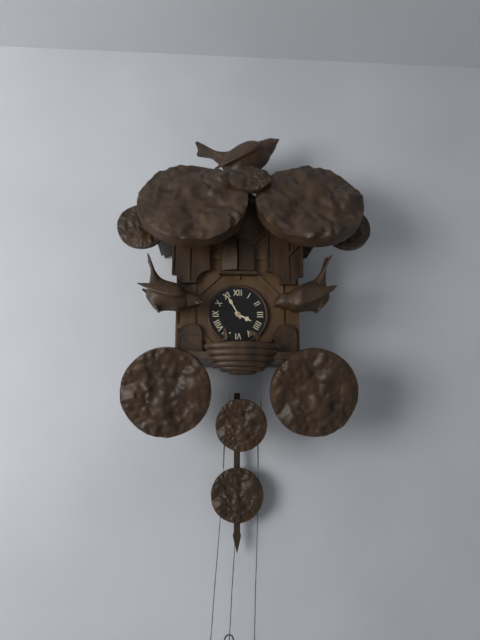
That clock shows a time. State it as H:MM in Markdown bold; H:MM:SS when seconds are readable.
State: **3:55**
